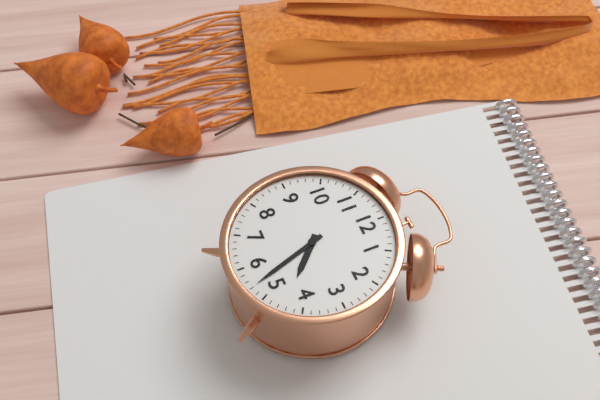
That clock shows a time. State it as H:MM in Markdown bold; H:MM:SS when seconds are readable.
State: **4:27**
